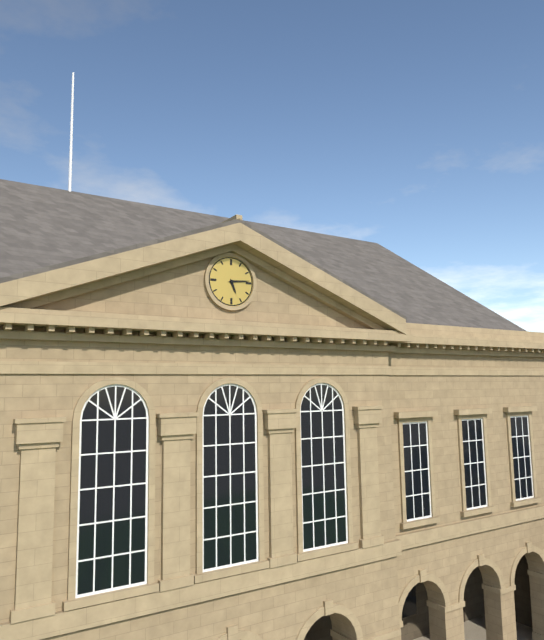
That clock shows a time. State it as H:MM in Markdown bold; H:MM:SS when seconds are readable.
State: **5:14**
